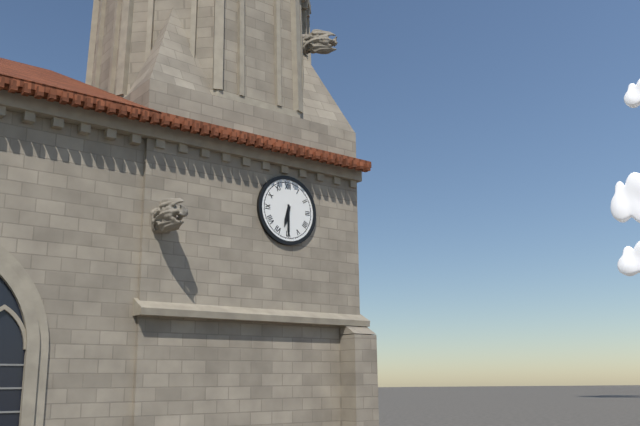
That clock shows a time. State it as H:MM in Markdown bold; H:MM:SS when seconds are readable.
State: **6:30**
